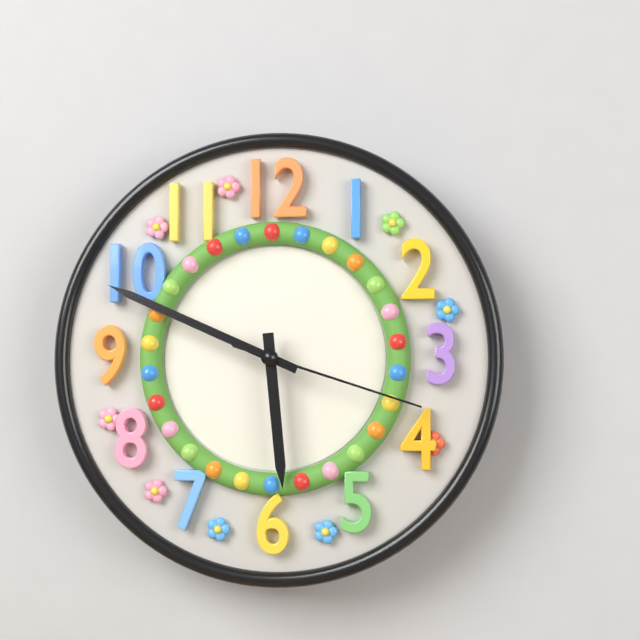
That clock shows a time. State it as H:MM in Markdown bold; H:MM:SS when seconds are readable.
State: **5:49:18**
